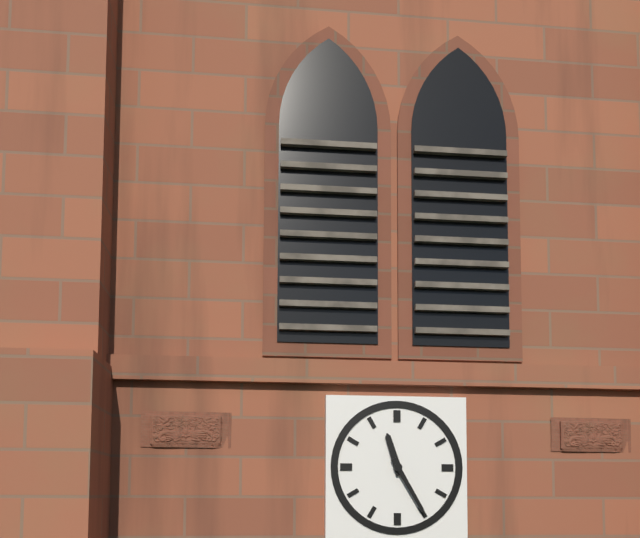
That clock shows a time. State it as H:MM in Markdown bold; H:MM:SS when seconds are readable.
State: **11:25**
